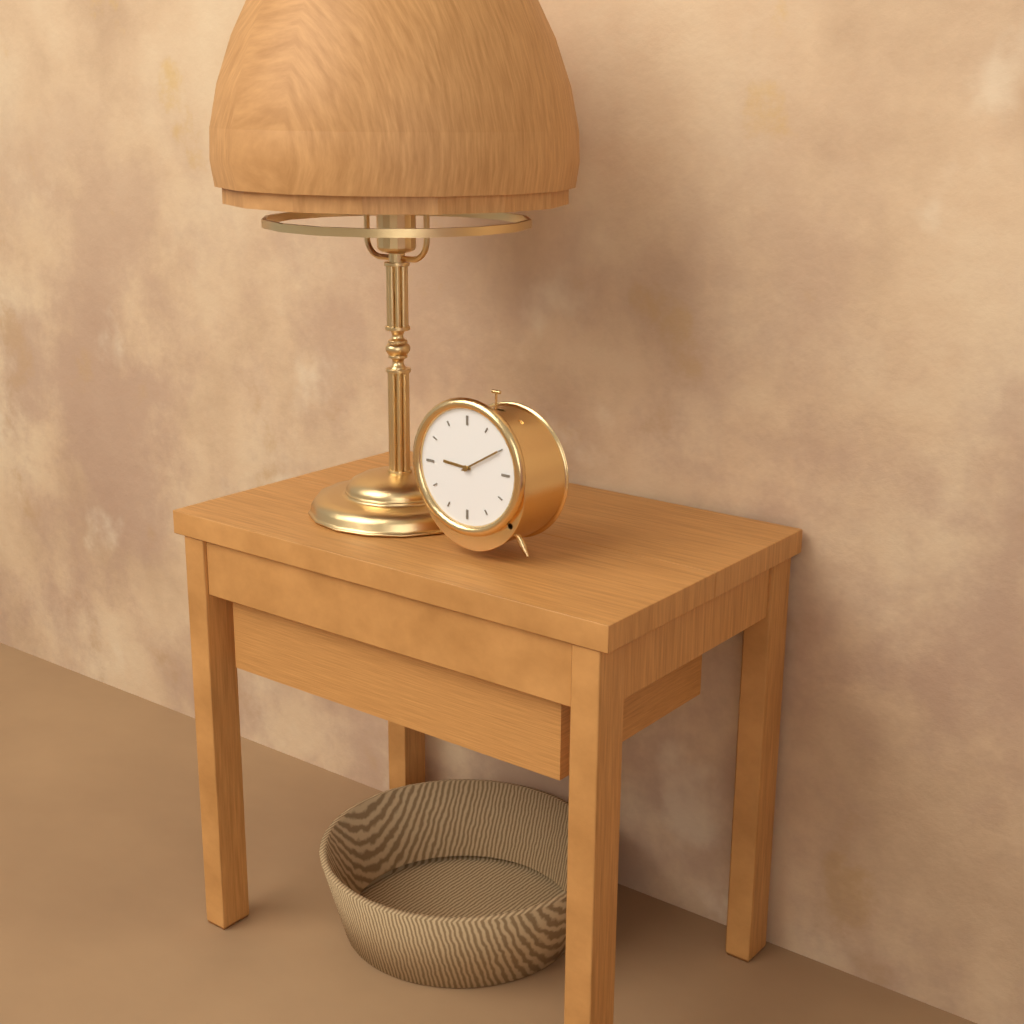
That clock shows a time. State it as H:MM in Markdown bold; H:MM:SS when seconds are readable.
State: **9:10**
